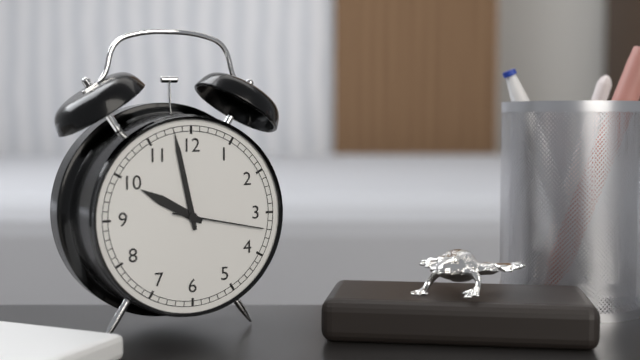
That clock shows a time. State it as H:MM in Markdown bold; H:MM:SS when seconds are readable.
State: **9:58:17**
